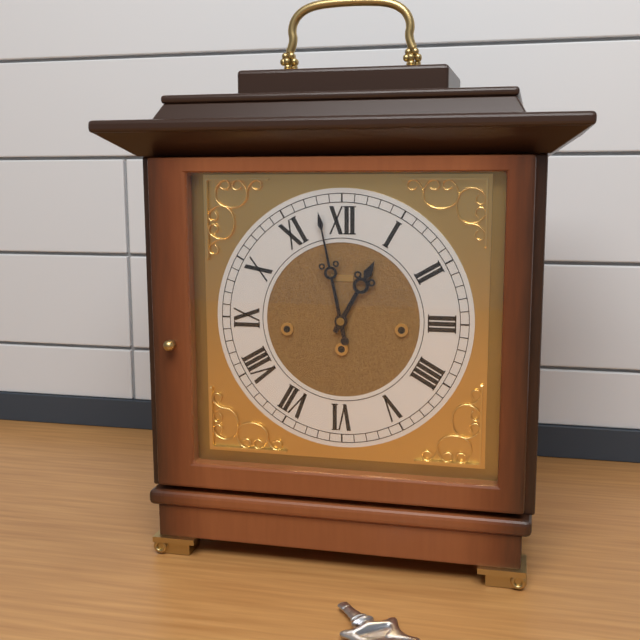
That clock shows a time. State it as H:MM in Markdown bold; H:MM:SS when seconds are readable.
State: **12:58**
